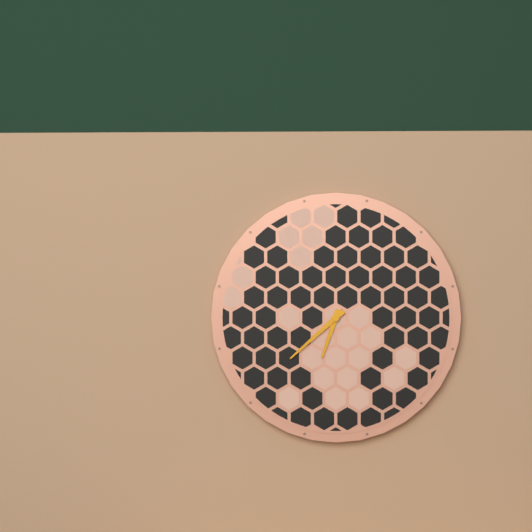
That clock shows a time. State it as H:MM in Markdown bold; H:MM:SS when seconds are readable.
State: **6:38**
